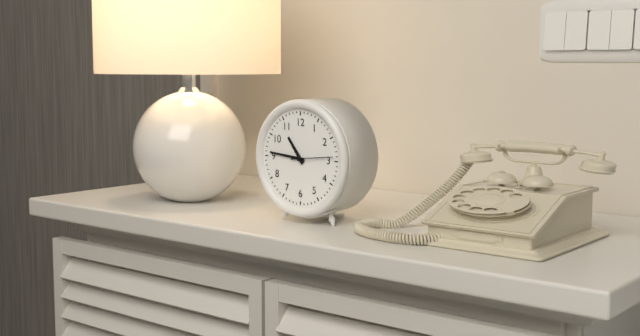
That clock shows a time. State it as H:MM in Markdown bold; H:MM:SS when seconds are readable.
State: **10:46**
